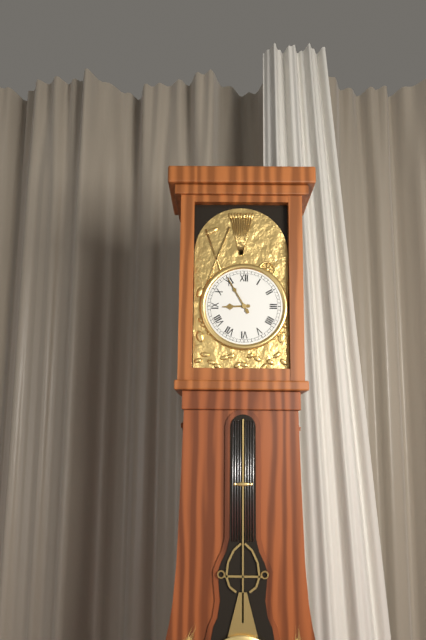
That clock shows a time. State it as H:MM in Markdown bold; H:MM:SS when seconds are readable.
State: **8:55**
